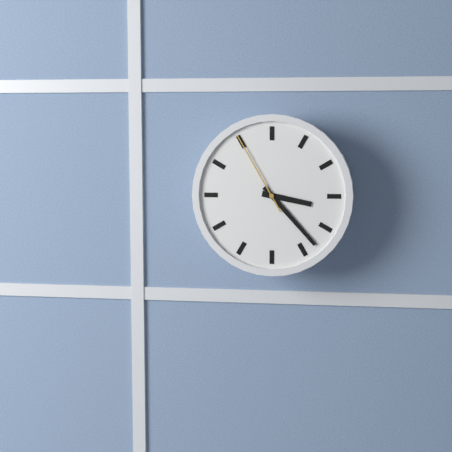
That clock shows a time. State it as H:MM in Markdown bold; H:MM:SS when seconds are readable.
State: **3:23:55**
